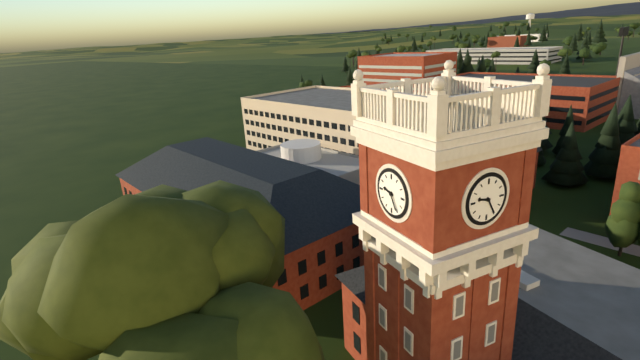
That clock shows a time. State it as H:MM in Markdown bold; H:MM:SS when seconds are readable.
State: **9:25**
